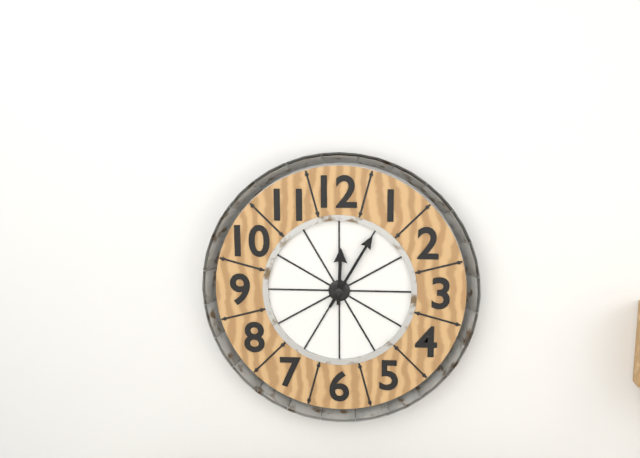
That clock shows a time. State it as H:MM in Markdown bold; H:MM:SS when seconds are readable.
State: **12:05**
